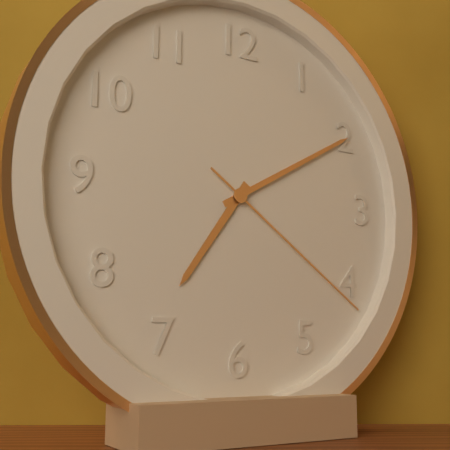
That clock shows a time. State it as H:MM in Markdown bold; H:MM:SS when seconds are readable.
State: **7:10:21**
